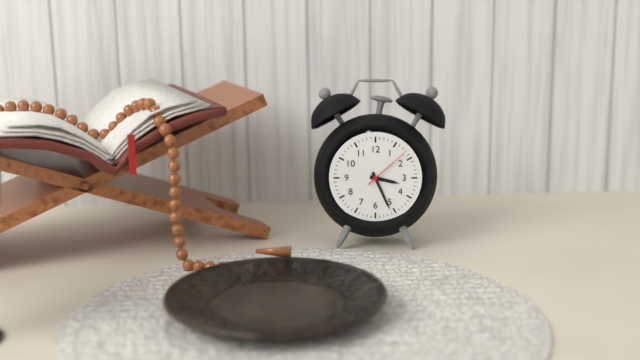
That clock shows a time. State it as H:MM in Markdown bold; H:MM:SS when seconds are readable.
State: **3:26**
